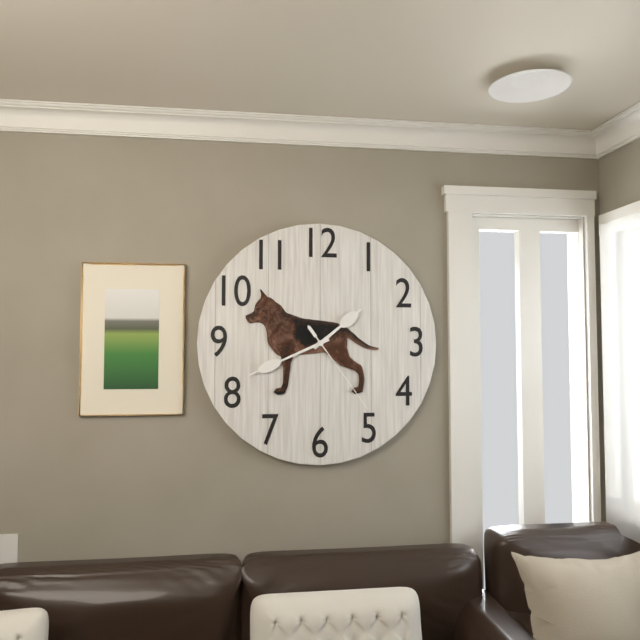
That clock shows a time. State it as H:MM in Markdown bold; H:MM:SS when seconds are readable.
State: **1:41:24**
